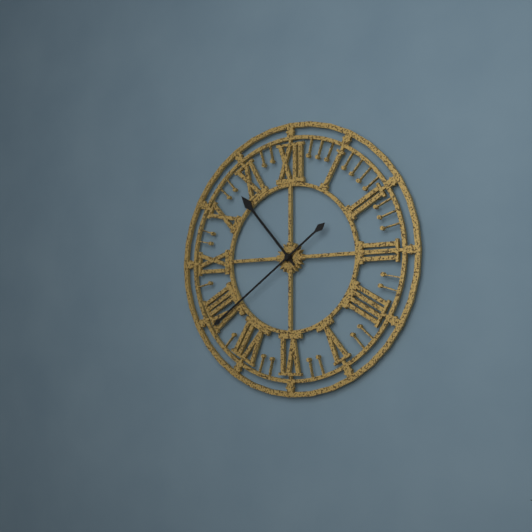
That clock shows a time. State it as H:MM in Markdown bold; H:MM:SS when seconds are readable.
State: **10:39**
